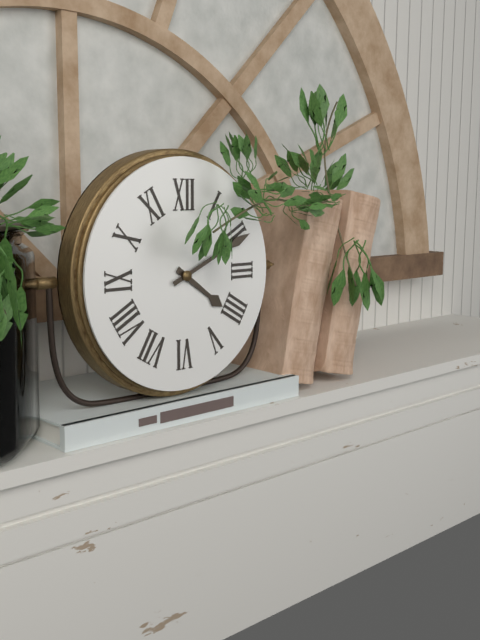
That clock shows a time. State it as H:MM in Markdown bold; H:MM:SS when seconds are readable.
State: **4:11**
